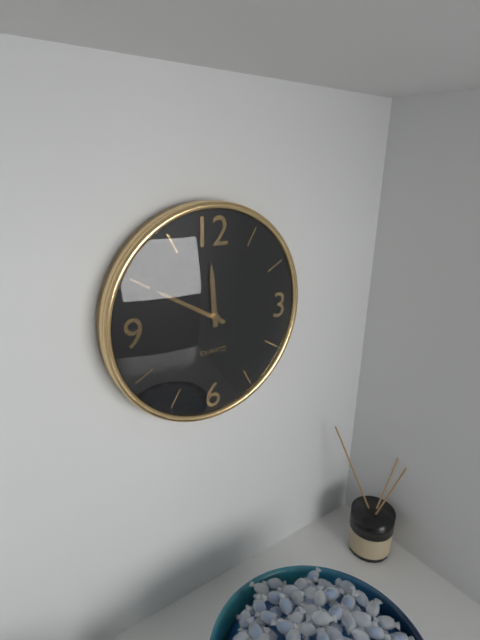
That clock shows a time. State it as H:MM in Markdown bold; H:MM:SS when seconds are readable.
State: **11:50**
